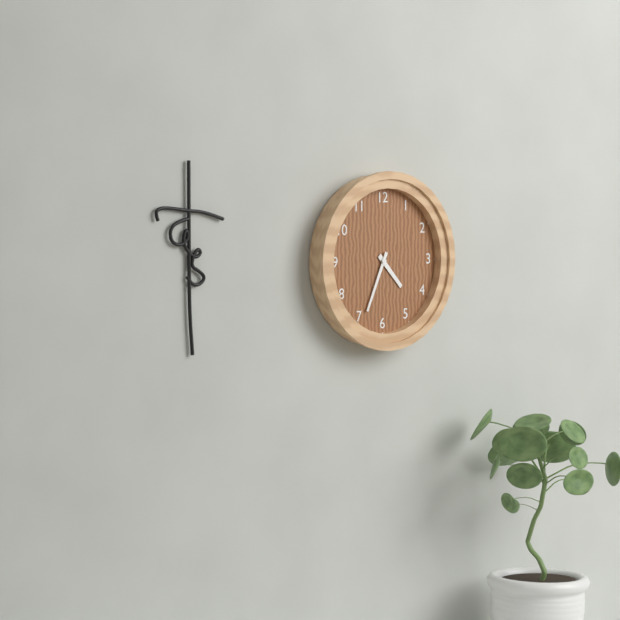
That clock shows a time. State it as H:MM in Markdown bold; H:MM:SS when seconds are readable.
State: **4:34**
